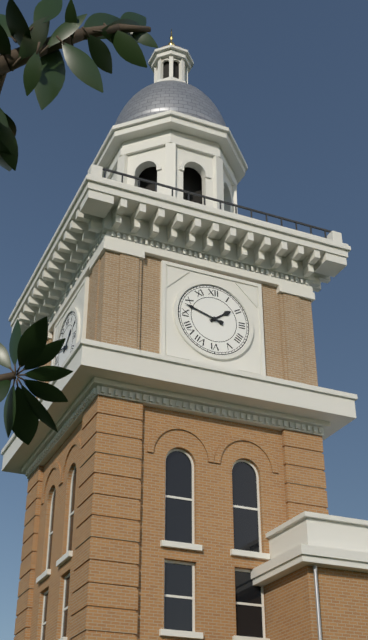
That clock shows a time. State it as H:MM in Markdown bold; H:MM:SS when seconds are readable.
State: **1:48**
